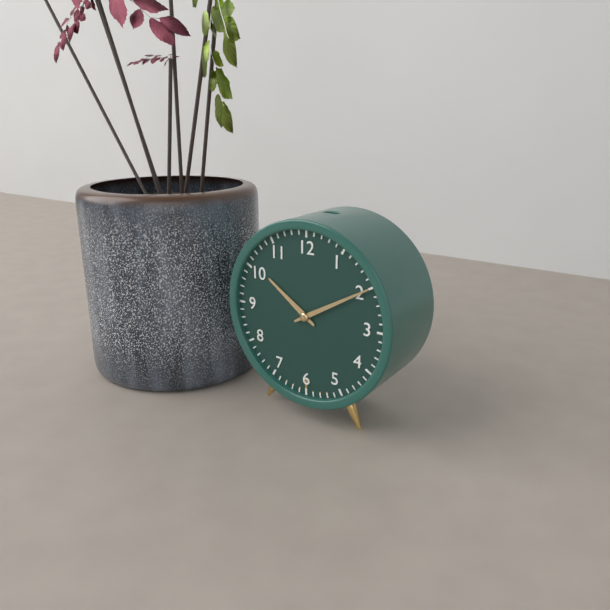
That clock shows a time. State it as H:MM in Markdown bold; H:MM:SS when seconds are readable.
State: **10:10**
